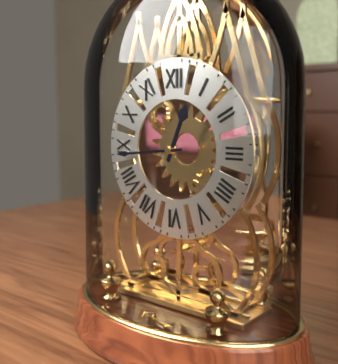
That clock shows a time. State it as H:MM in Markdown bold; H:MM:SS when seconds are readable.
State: **12:44**
